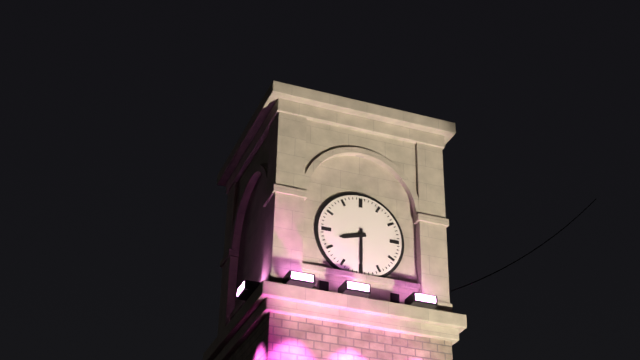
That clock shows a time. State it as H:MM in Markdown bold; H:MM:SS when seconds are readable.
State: **8:30**
